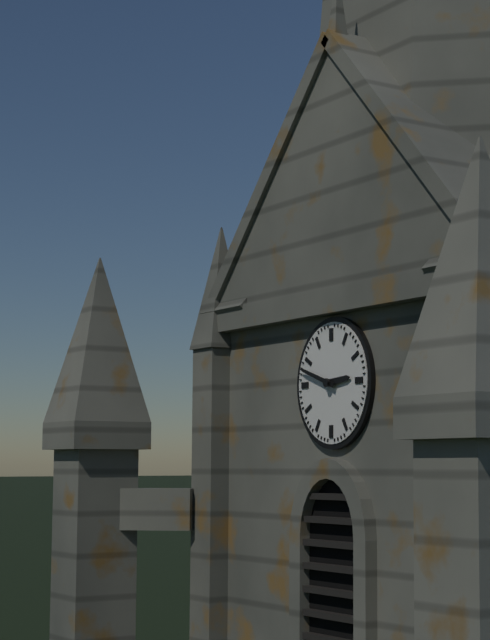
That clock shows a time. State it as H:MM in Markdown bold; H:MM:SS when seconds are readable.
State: **2:48**
